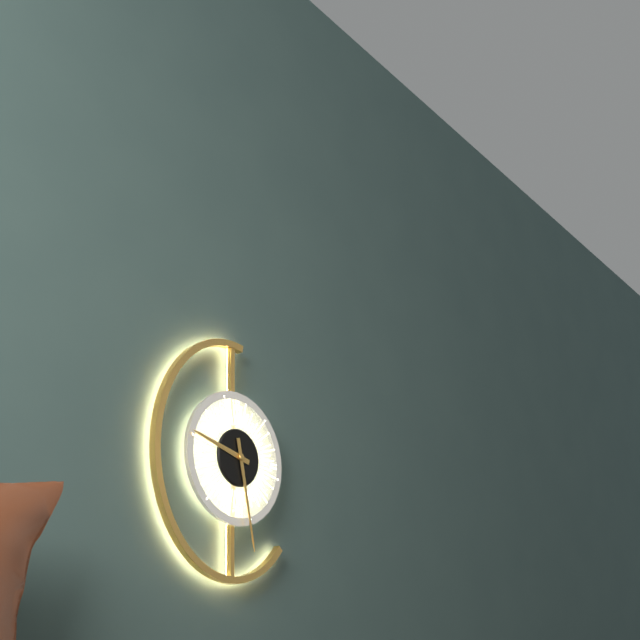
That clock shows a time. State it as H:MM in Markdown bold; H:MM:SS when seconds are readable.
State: **9:28**
